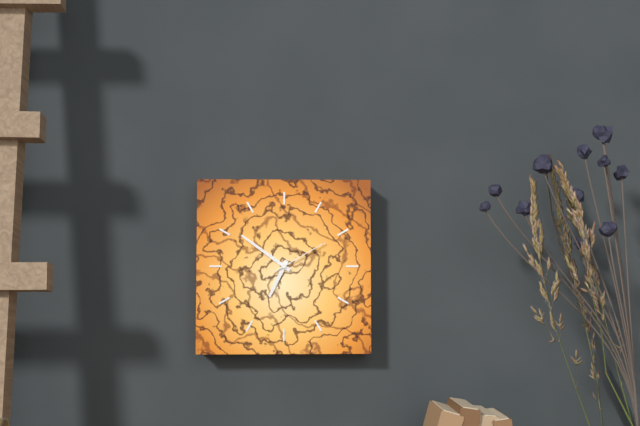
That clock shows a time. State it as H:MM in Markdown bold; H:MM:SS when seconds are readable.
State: **6:51:10**
